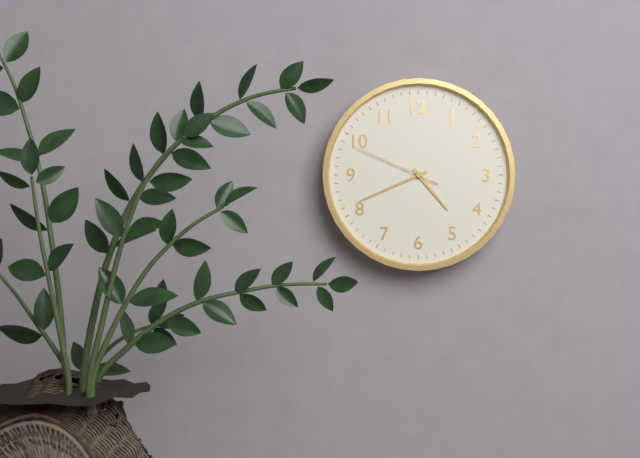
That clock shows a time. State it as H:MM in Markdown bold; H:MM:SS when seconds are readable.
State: **4:41:49**
